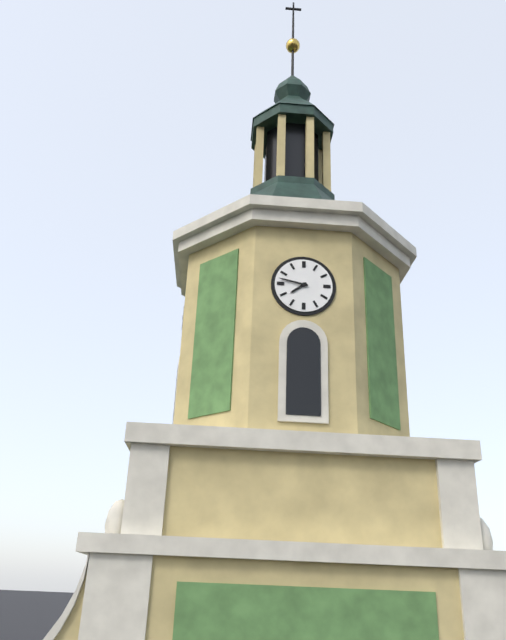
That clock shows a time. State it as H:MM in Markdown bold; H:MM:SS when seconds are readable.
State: **7:47**
